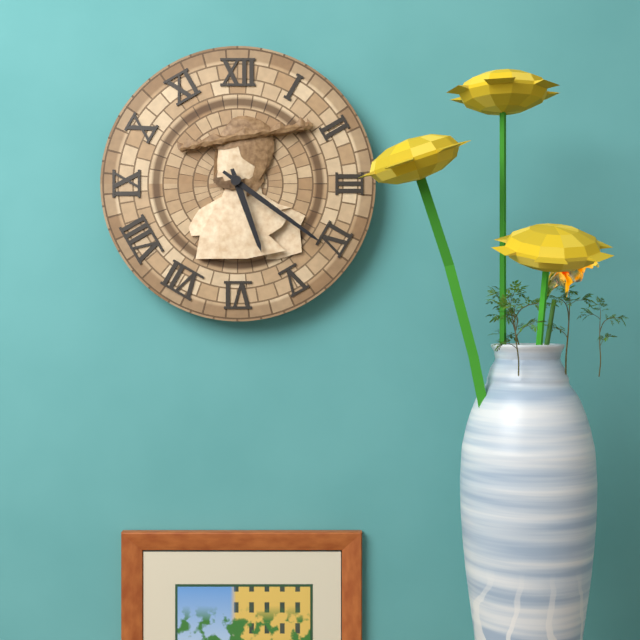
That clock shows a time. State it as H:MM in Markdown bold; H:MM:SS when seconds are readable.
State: **5:21**
